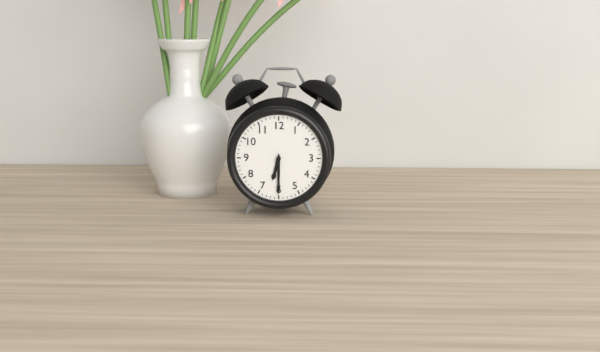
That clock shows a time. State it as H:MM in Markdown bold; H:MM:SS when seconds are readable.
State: **6:30**
